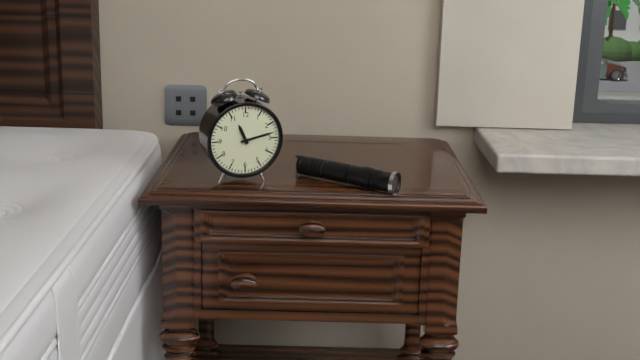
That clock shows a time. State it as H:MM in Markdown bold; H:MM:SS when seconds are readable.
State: **11:13**
